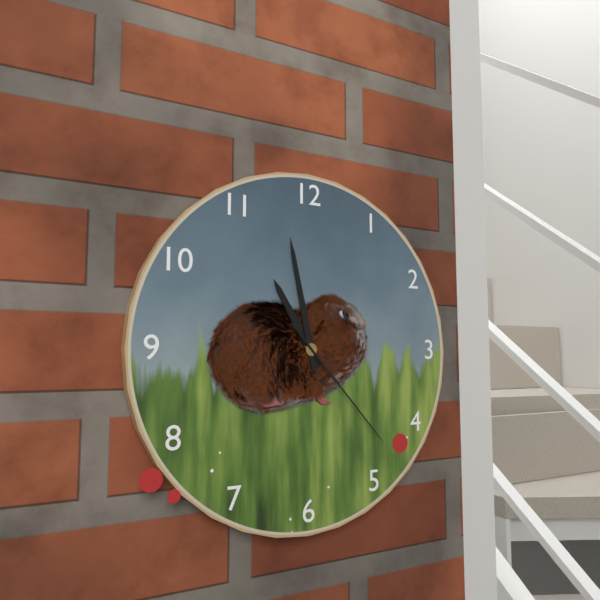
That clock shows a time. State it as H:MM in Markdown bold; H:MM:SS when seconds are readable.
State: **10:58:23**
